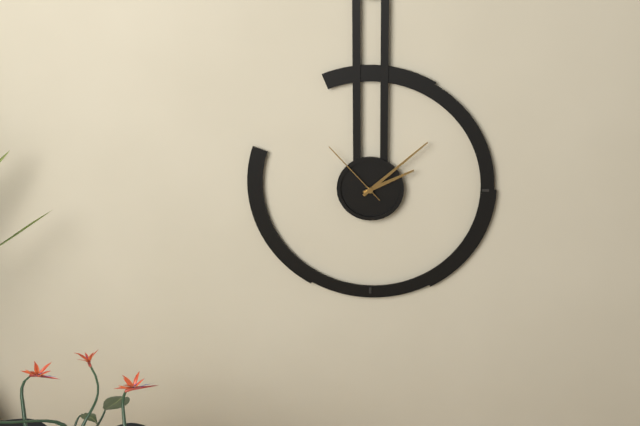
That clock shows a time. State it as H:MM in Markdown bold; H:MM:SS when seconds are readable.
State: **2:08:53**
